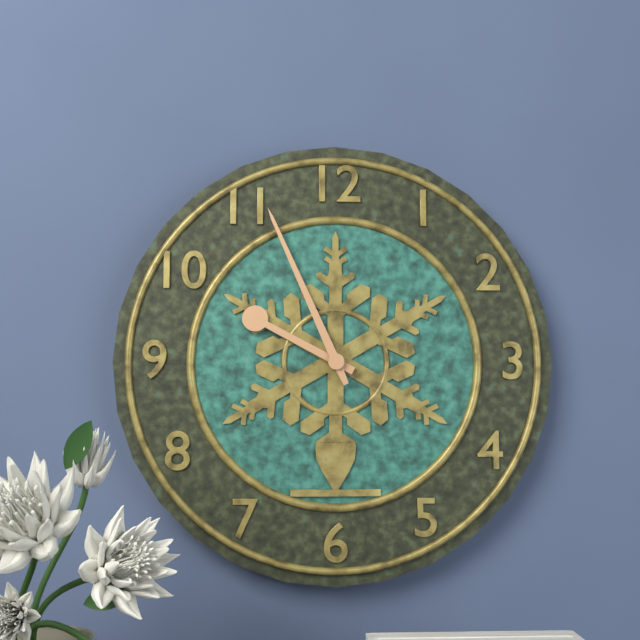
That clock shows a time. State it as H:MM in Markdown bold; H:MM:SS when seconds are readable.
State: **9:56**
